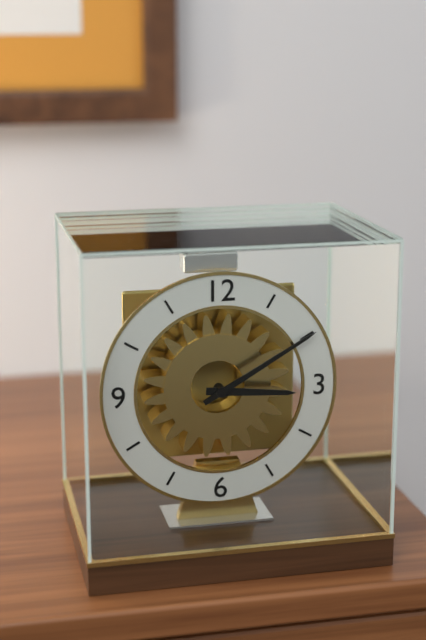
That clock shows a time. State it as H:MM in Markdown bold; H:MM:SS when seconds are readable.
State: **3:10**
